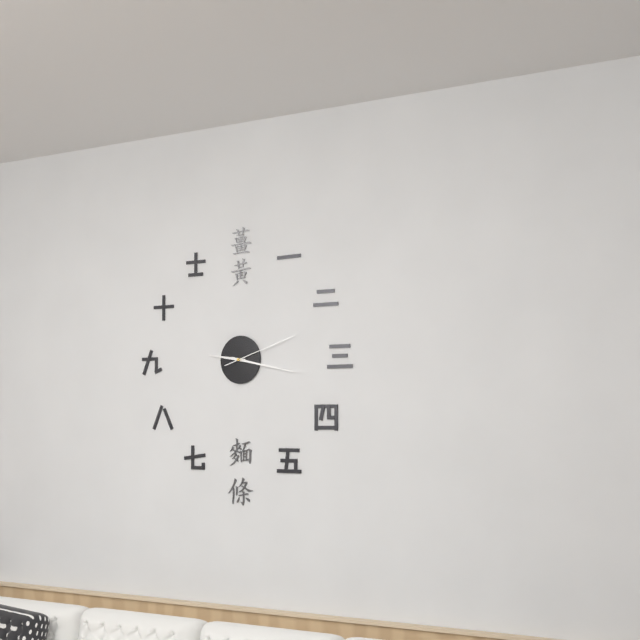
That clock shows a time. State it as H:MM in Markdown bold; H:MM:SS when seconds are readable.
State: **9:17:12**
